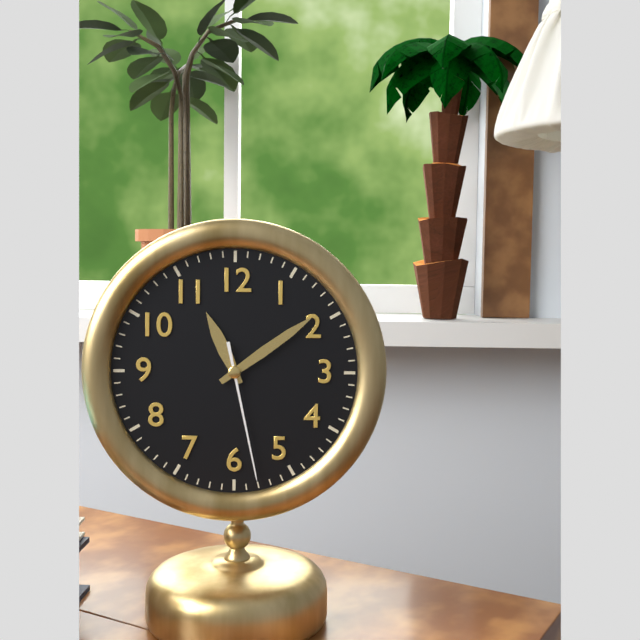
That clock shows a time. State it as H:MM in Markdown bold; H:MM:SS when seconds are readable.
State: **11:09:28**
